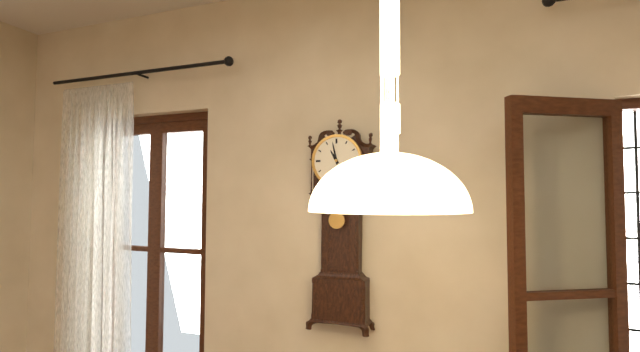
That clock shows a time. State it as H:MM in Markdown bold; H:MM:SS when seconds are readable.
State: **10:58**
